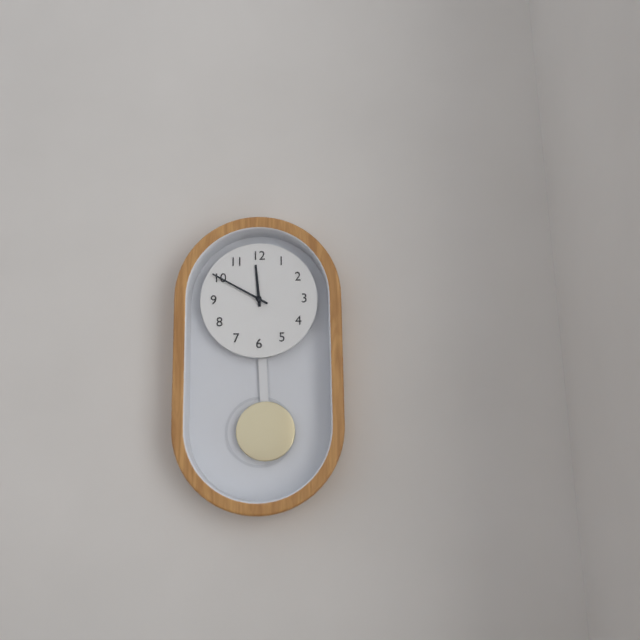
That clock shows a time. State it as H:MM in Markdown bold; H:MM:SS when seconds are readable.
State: **11:50**
